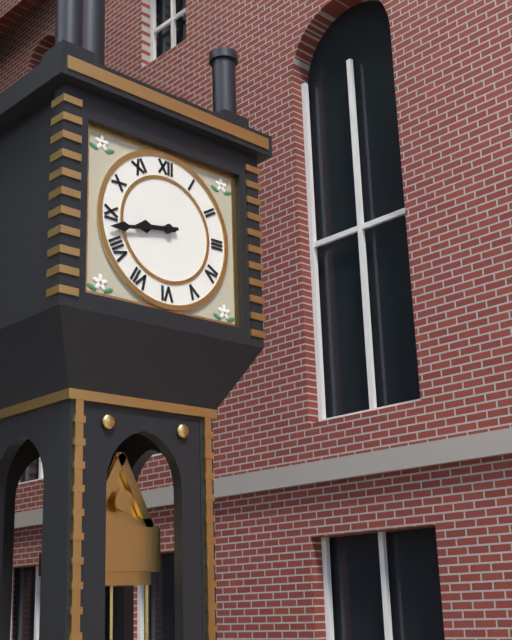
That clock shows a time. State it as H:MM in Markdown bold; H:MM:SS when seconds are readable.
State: **8:43**
